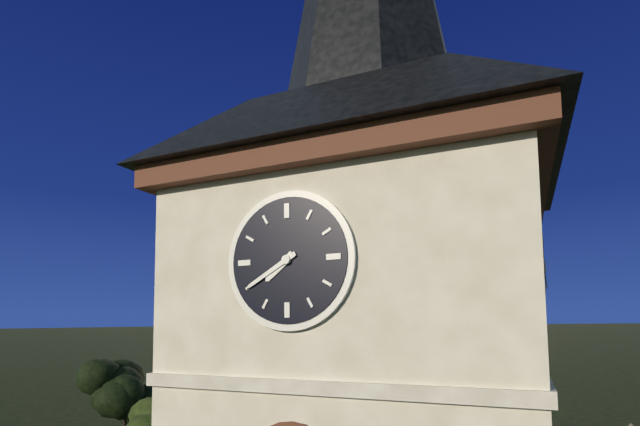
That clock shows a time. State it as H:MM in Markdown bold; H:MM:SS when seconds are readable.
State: **7:40**
